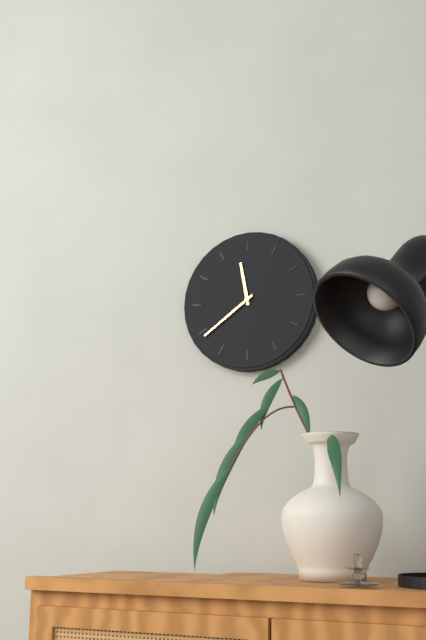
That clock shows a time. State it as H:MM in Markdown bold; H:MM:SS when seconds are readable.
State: **11:39**
